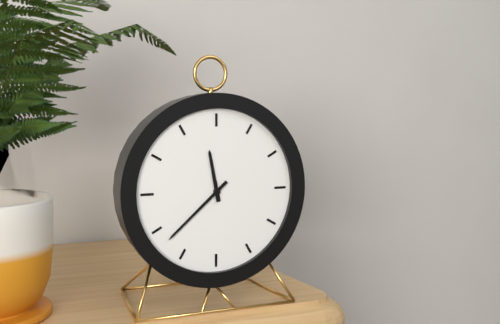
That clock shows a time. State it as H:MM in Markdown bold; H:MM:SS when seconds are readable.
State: **11:38**
